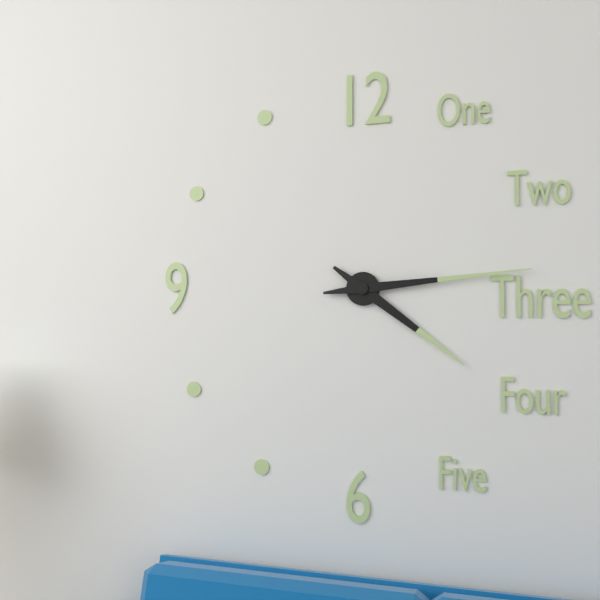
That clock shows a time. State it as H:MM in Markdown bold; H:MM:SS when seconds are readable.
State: **4:14**
